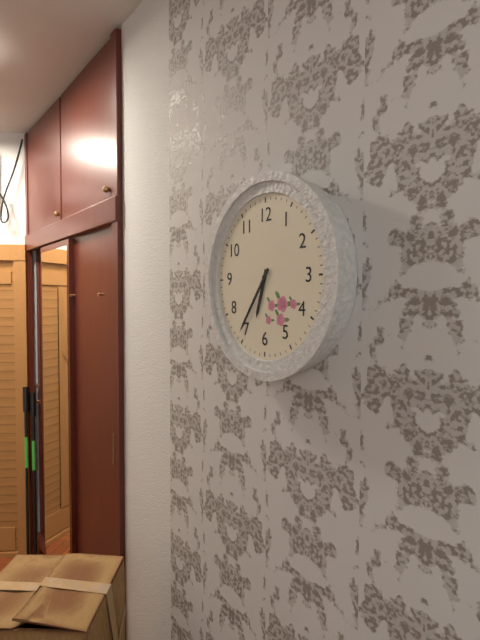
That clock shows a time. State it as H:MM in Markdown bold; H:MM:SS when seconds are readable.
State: **6:36**
